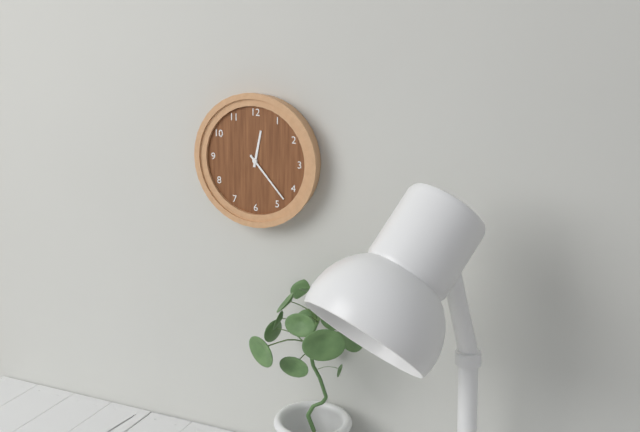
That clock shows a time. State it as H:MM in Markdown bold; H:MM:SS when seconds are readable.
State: **12:23**
